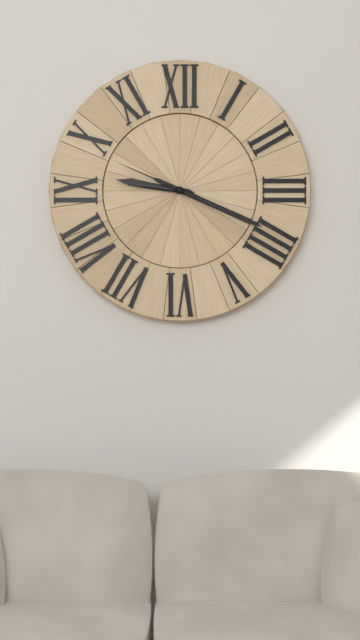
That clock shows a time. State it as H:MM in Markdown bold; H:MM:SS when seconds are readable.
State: **9:19:49**
